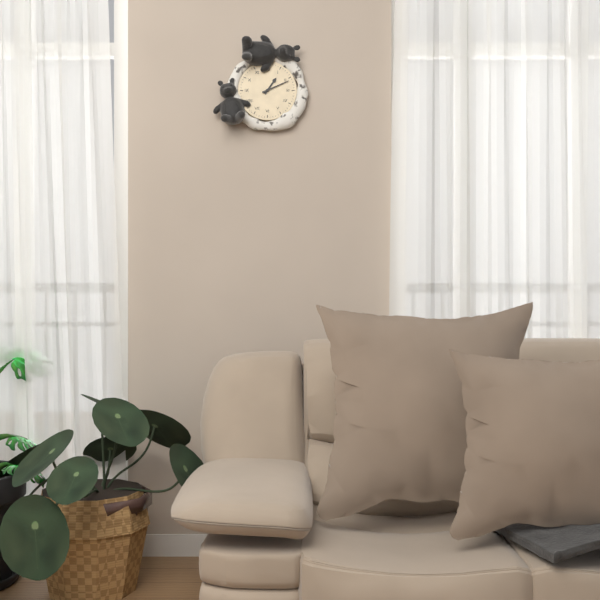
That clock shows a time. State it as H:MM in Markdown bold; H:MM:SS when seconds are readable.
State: **1:11**
